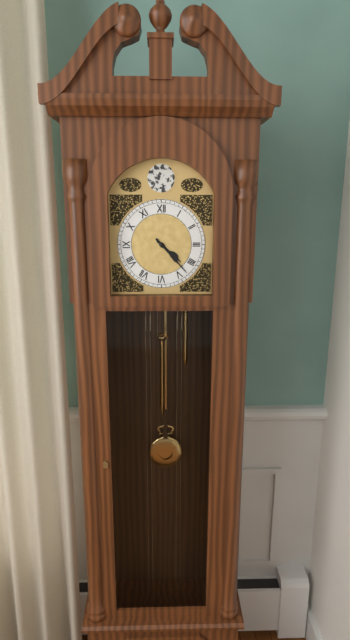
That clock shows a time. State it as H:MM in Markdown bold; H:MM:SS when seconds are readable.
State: **4:23**
